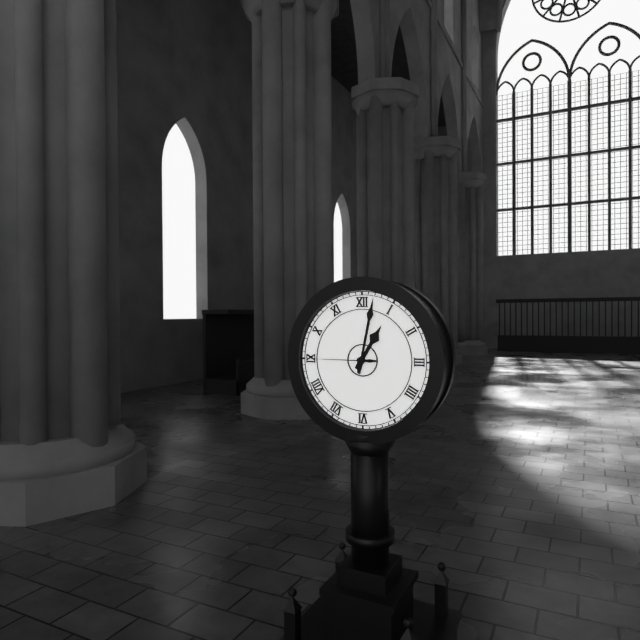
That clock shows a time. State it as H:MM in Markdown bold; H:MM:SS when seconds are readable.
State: **1:02:45**
